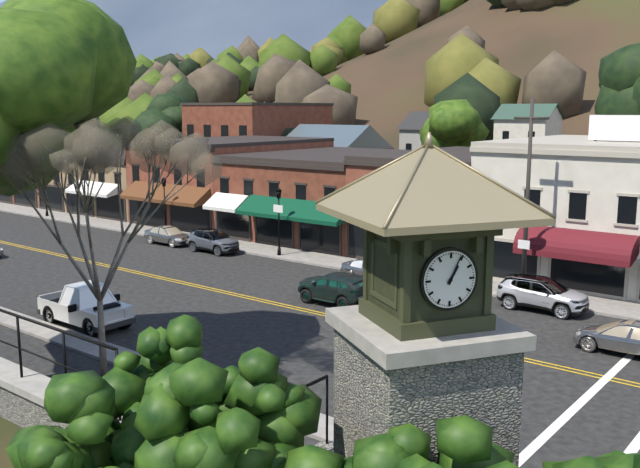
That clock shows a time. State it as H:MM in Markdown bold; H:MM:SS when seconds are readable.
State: **1:04**
